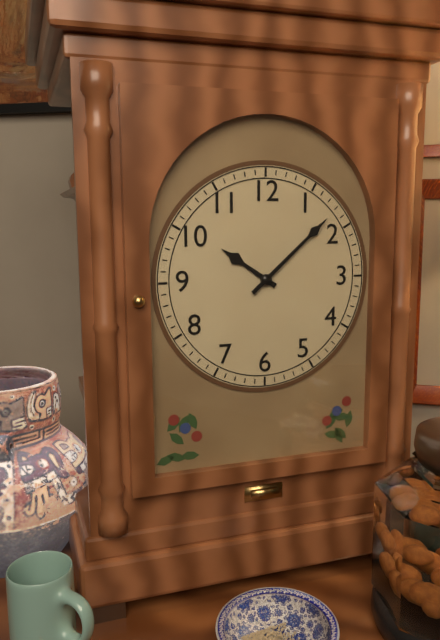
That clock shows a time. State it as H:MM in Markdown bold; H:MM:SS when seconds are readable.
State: **10:08**
